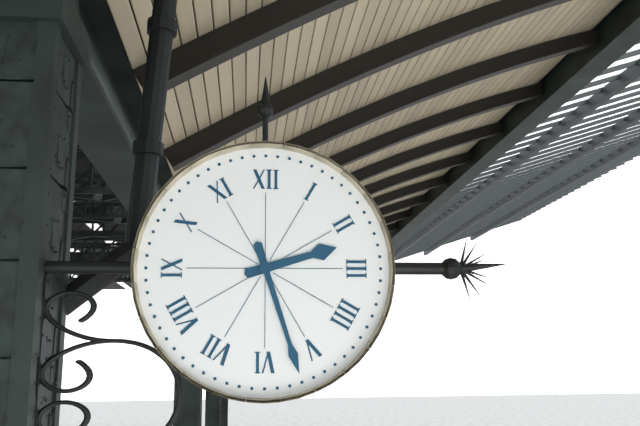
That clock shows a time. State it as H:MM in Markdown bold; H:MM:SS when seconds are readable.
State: **2:27**
